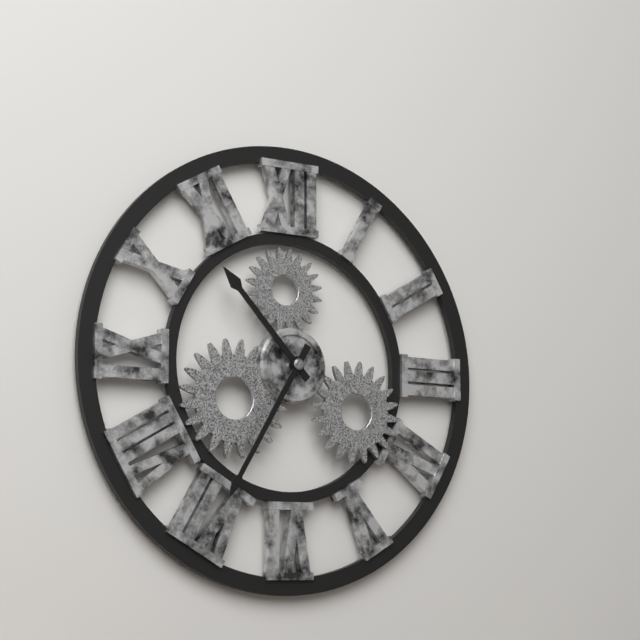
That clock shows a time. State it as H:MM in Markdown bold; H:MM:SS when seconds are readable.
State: **10:35**
